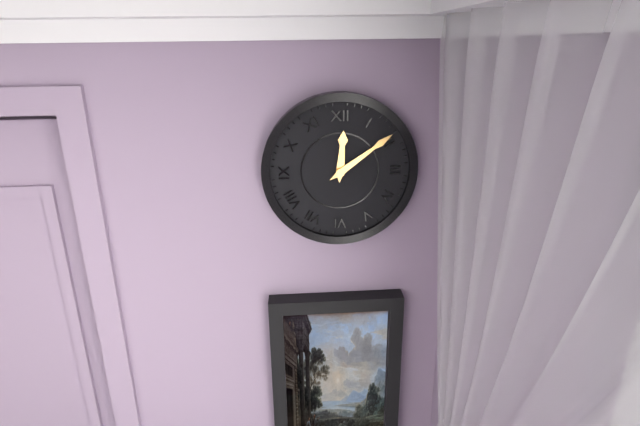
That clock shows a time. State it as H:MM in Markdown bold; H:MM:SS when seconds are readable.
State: **12:09**
